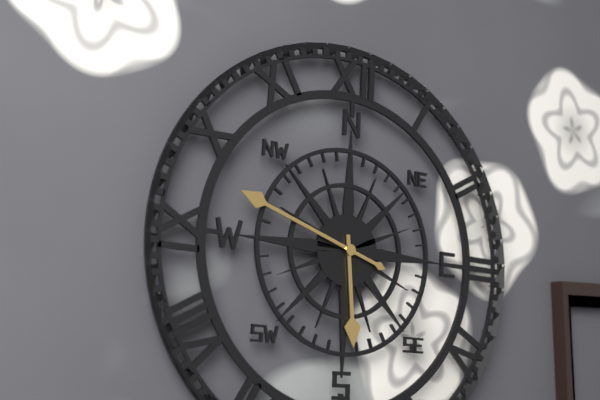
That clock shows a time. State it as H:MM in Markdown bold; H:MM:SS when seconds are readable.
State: **5:48**
